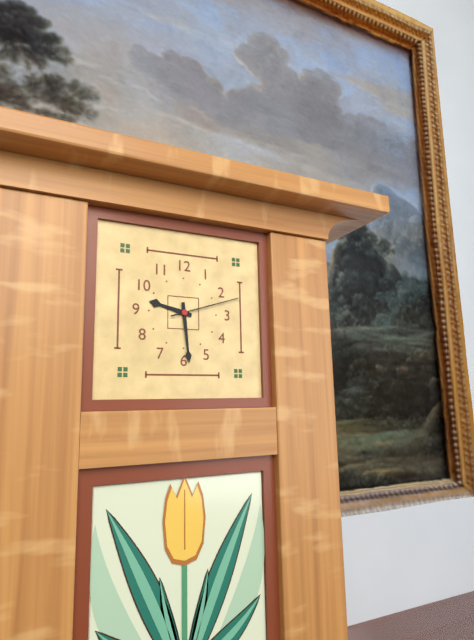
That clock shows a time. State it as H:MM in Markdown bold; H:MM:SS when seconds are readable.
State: **9:29:12**
